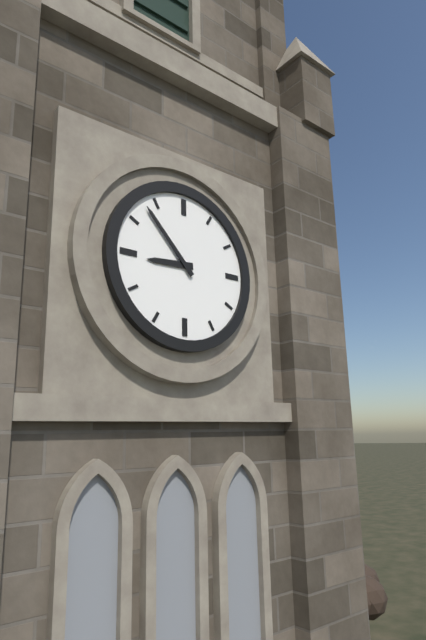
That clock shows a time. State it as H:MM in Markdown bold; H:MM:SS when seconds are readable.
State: **8:53**
